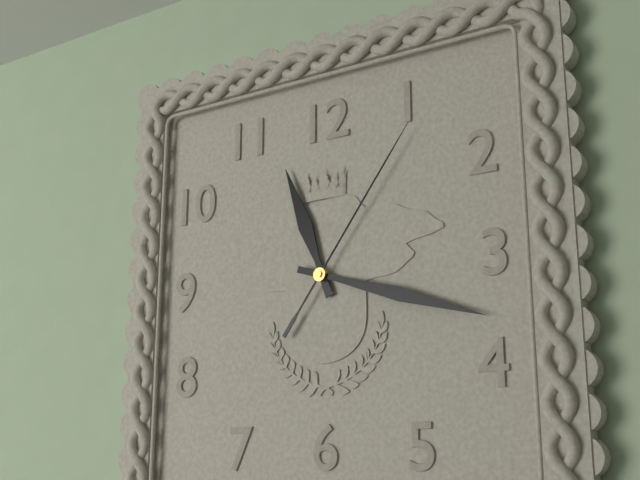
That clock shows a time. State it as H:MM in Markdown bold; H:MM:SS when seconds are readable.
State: **11:18:06**
